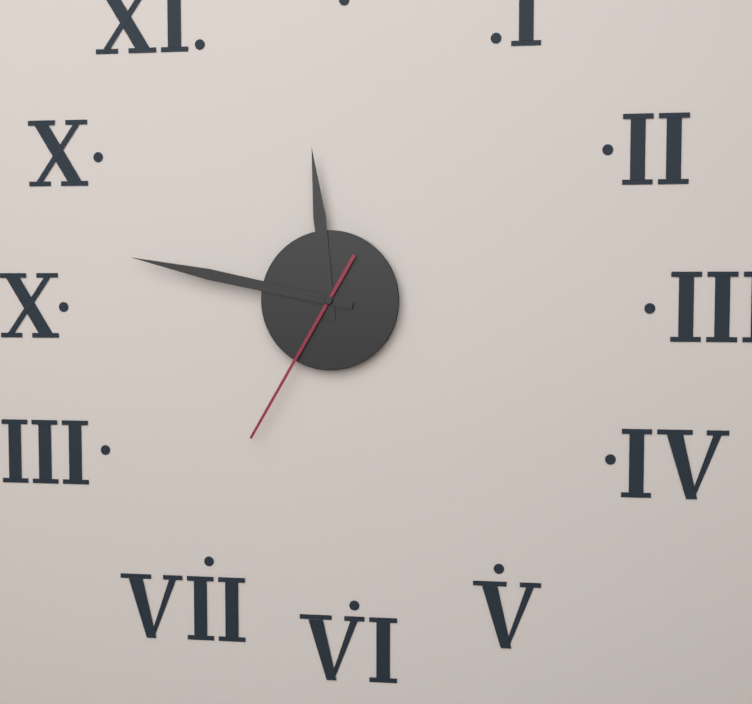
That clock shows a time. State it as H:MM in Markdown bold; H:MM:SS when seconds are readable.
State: **11:47:35**
